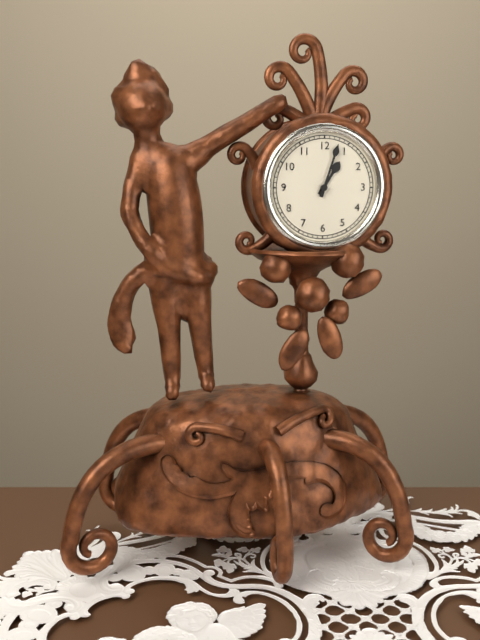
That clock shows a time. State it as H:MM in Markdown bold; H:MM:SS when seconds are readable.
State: **1:03**
